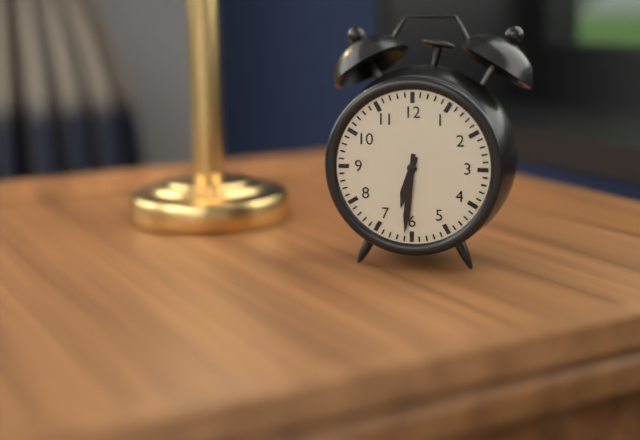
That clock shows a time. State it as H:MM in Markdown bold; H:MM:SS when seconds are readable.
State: **6:31**
